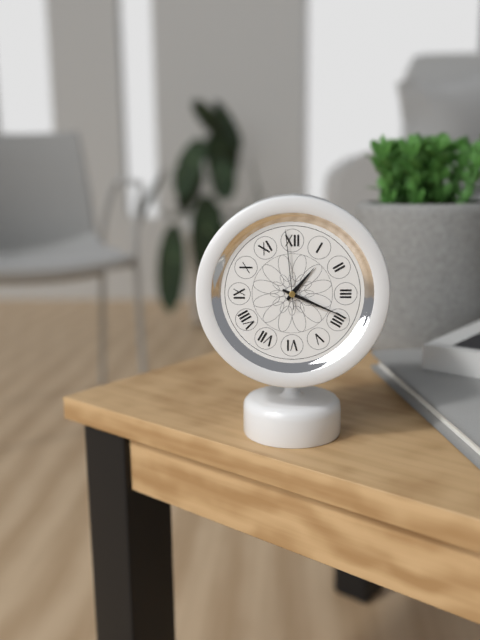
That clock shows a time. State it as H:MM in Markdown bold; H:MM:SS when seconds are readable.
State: **1:19:59**
